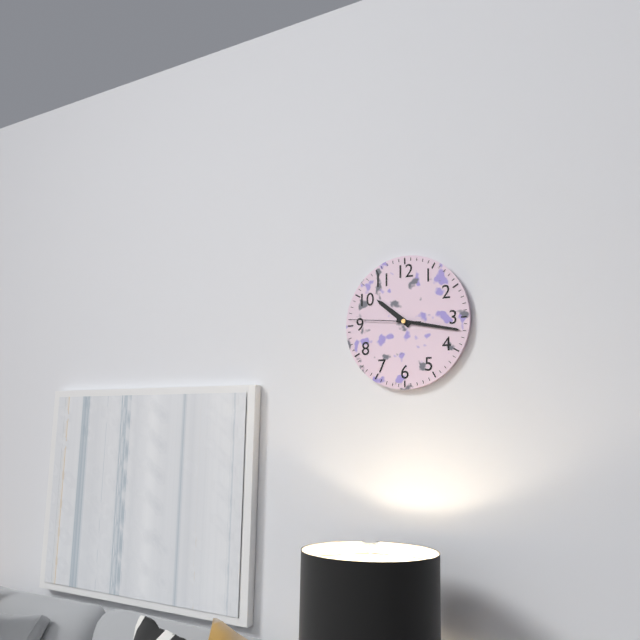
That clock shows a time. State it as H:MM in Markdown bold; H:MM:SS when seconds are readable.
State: **10:17:46**
